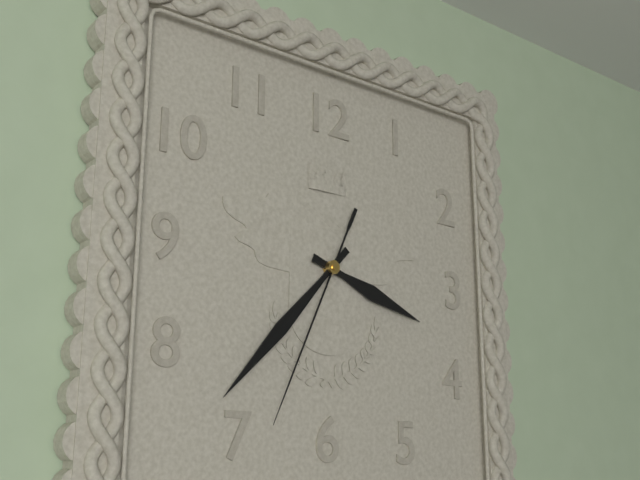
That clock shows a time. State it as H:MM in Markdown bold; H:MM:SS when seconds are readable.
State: **3:37:34**
